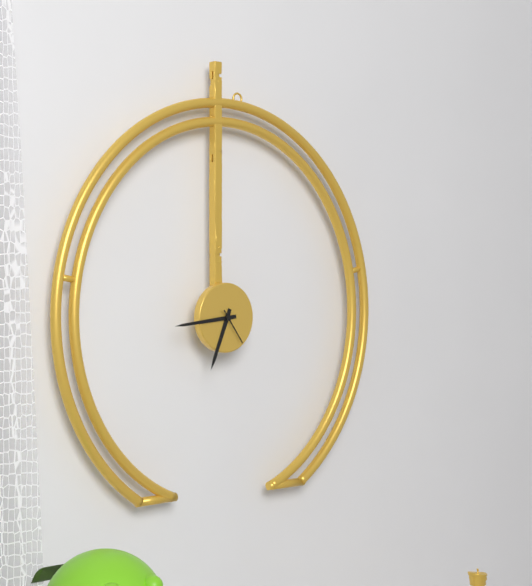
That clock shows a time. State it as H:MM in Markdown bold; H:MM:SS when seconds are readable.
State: **6:44**
